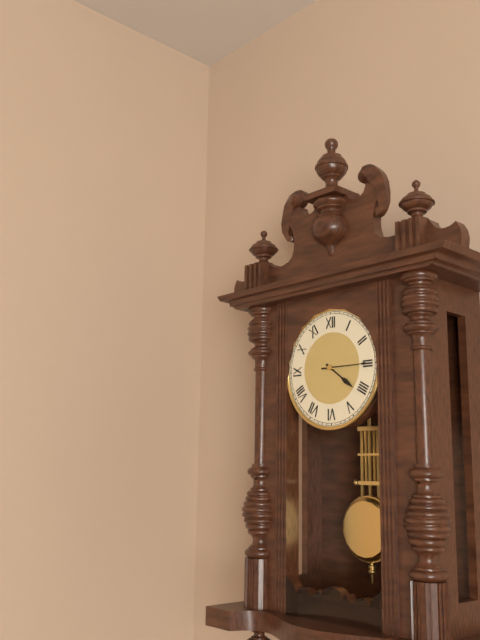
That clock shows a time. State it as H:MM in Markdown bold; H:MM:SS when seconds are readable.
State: **4:15**
